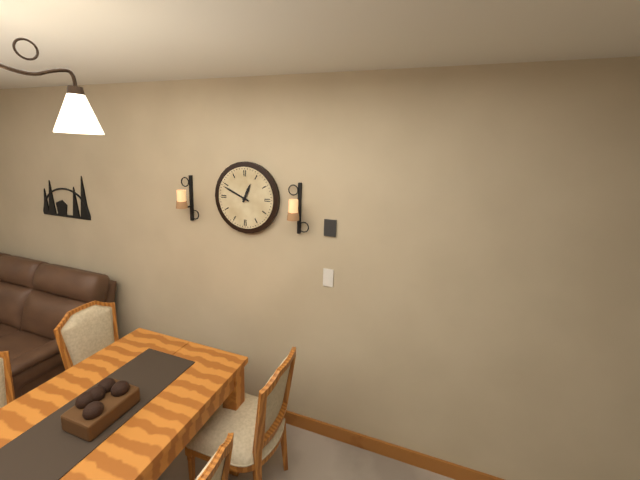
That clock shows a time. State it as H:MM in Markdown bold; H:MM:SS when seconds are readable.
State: **12:49**
